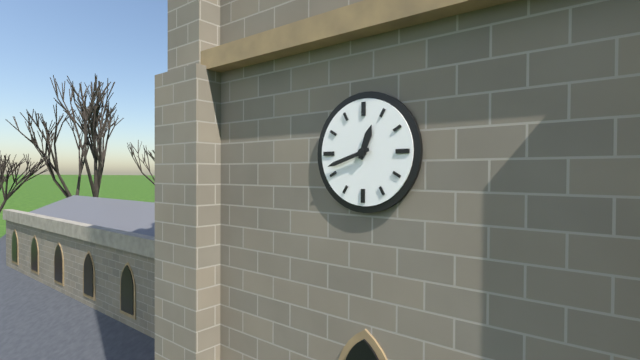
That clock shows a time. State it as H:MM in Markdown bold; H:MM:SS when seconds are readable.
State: **12:42**
